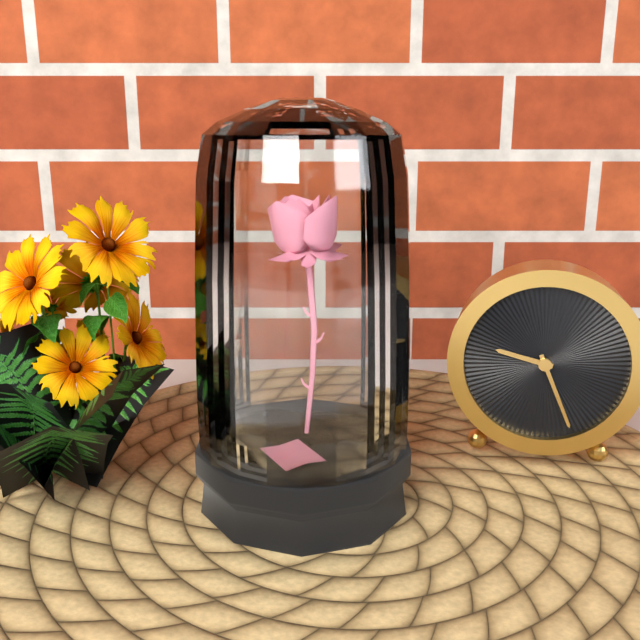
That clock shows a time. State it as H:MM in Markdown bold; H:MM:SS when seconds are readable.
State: **9:26**
